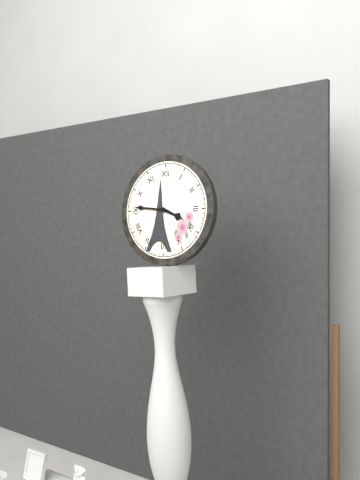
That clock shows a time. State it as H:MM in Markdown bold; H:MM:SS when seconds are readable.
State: **3:46**
